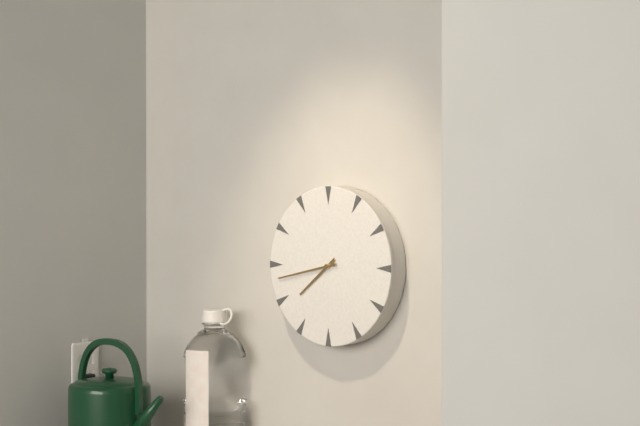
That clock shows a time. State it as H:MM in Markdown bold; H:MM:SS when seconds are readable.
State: **7:43**
